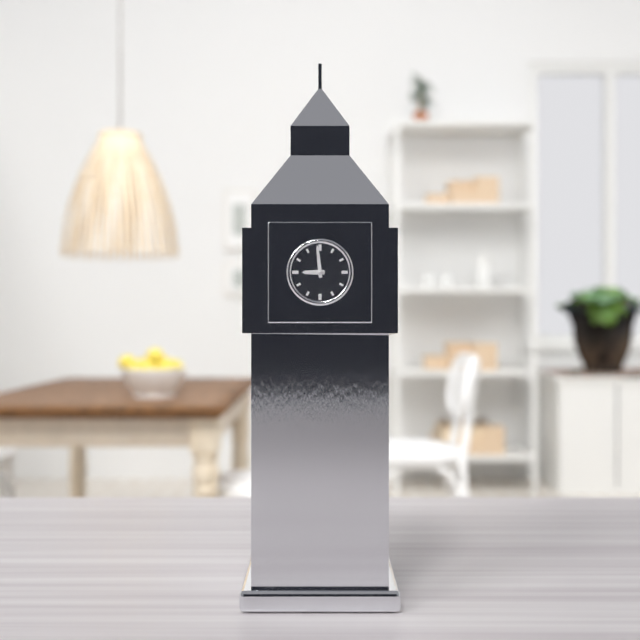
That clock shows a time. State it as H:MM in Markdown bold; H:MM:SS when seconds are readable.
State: **8:59**
